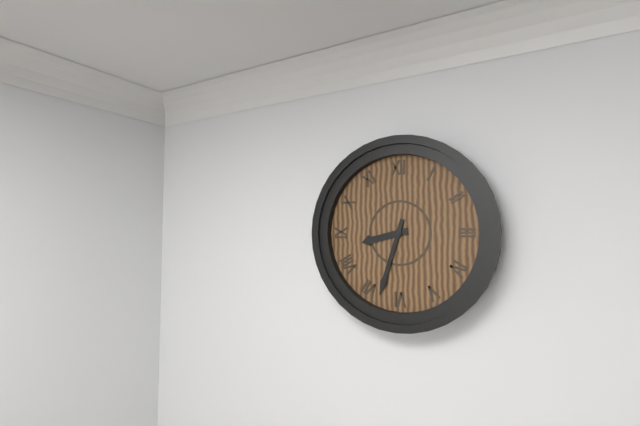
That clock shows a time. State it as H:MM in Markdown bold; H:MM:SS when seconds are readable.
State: **8:33**
